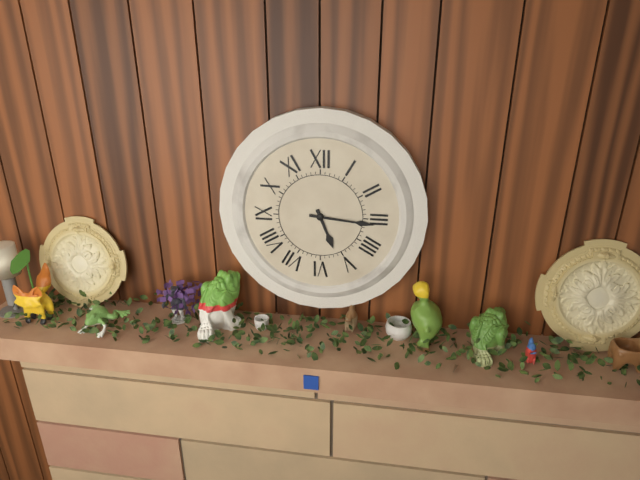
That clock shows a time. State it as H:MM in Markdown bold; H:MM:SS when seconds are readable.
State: **5:16**
